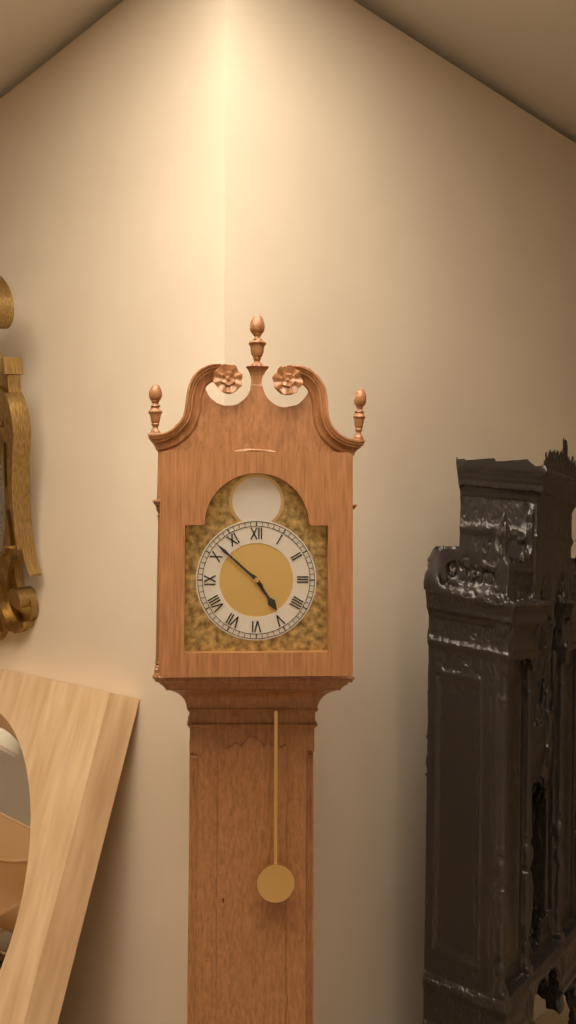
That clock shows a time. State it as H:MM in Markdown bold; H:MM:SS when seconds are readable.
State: **4:52**
